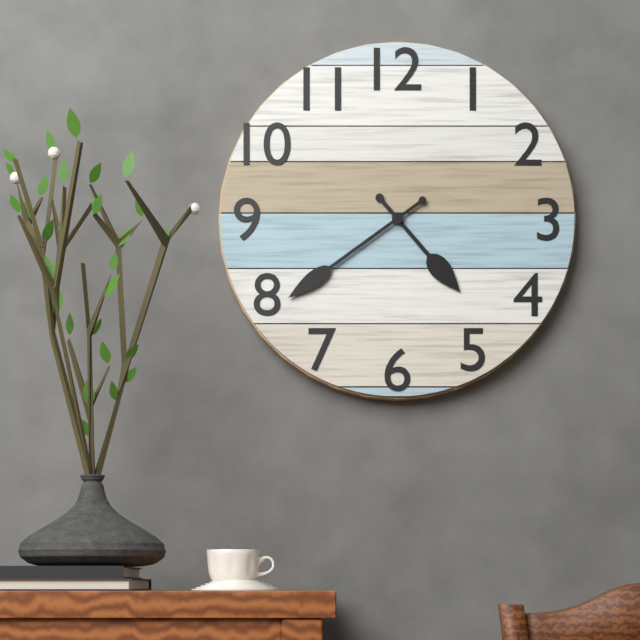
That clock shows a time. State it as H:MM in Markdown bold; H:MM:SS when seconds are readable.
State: **4:39**
